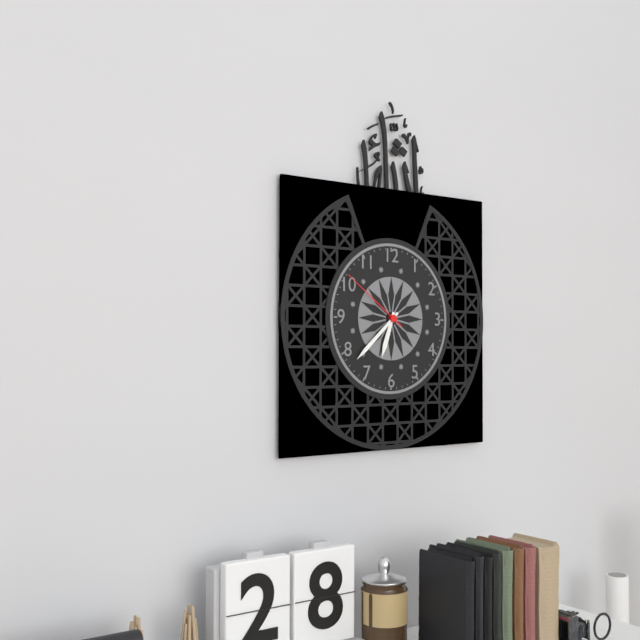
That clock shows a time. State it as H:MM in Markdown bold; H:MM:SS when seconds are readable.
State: **6:38:51**
